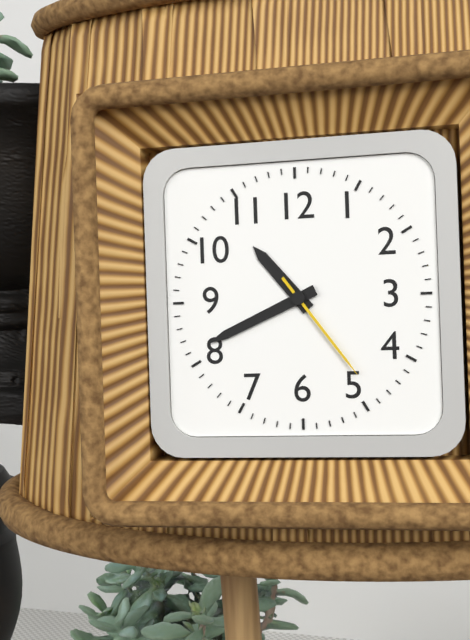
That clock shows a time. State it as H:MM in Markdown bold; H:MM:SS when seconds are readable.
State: **10:41:24**
